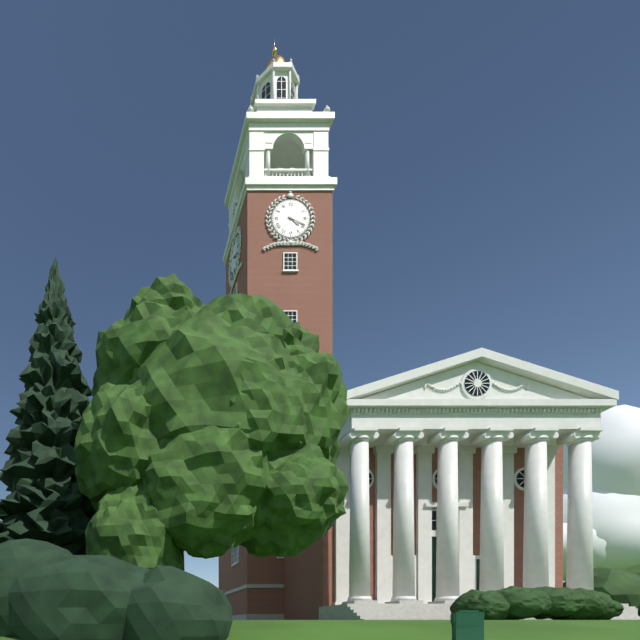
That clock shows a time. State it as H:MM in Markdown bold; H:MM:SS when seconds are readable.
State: **4:19**
